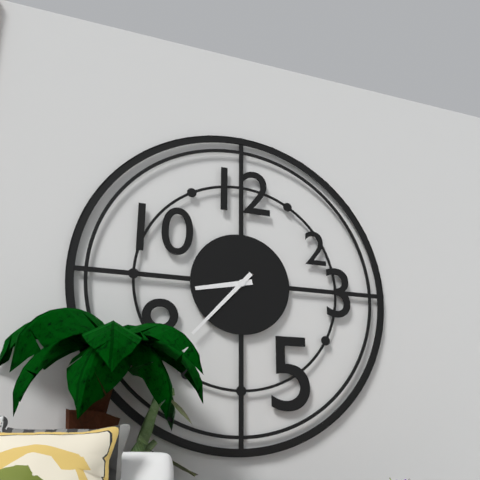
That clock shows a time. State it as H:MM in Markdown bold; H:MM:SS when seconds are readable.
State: **8:37**
